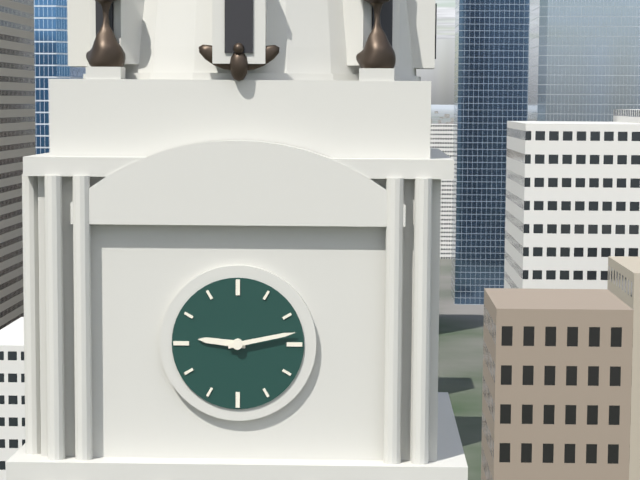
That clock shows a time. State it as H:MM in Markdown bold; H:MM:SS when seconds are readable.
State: **9:13**
